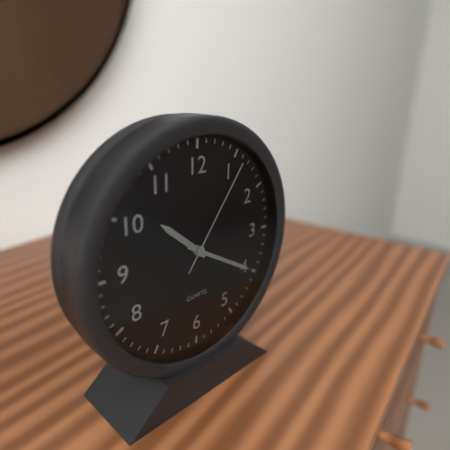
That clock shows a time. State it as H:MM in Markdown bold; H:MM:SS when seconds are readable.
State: **10:20:06**
